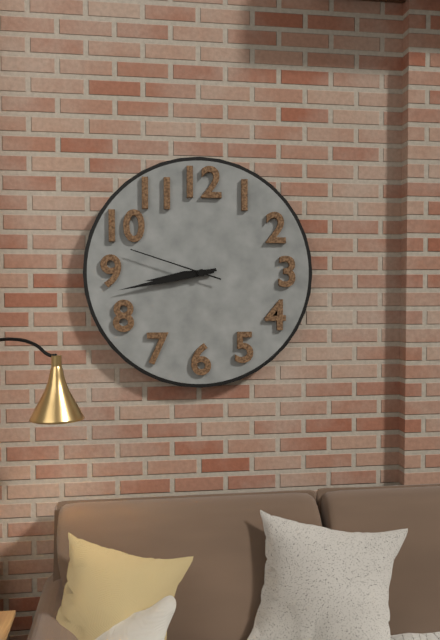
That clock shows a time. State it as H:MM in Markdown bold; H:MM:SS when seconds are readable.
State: **8:43:48**
